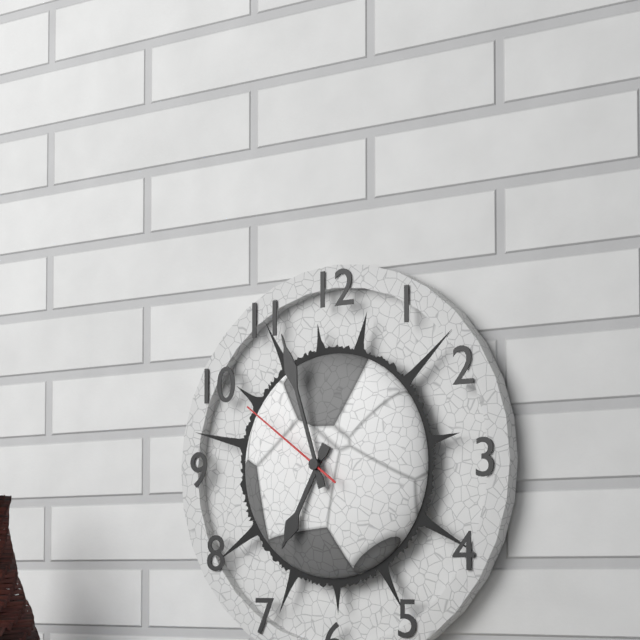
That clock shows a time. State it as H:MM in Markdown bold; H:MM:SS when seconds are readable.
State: **6:57:51**
